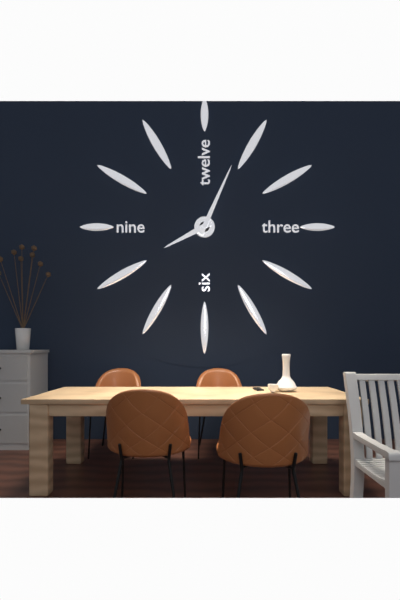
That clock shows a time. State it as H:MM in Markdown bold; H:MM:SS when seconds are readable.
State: **8:04**
